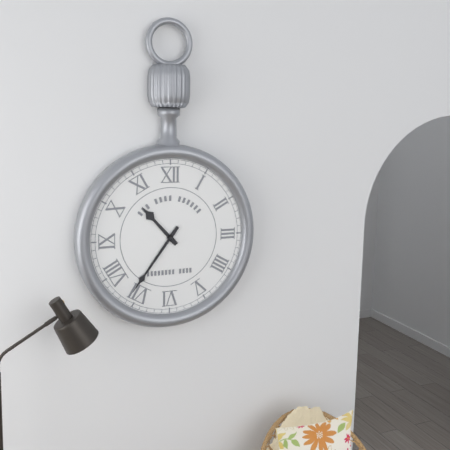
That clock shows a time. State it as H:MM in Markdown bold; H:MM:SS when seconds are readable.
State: **10:36**
